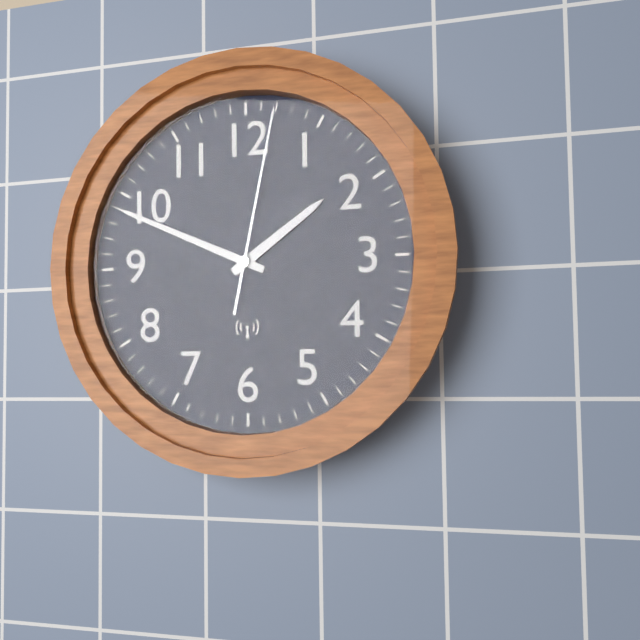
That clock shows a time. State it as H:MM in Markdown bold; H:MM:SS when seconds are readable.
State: **1:49:02**
